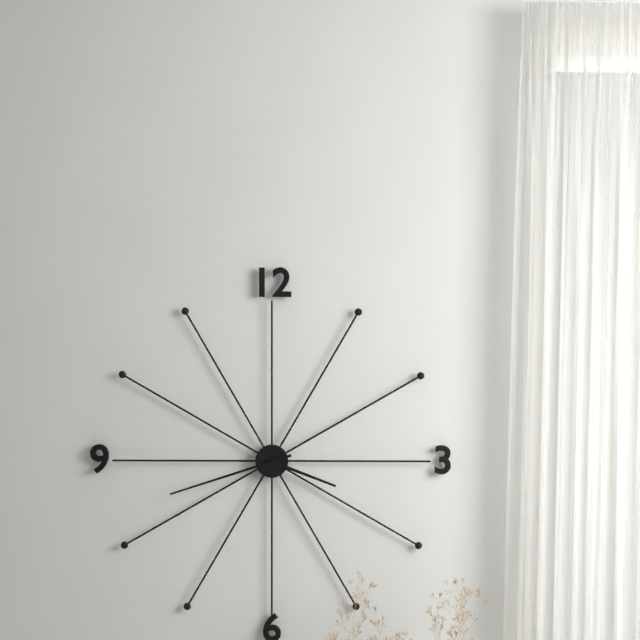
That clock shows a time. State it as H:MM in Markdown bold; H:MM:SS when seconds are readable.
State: **3:42**
